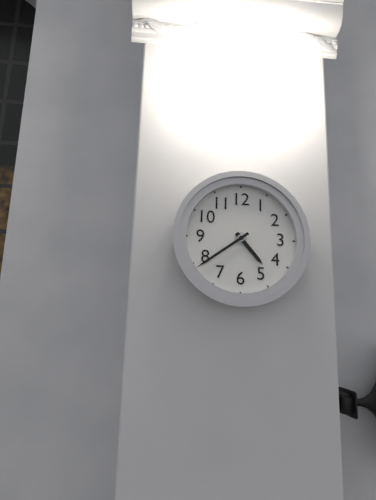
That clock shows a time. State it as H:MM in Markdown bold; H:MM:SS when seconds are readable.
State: **4:39**
